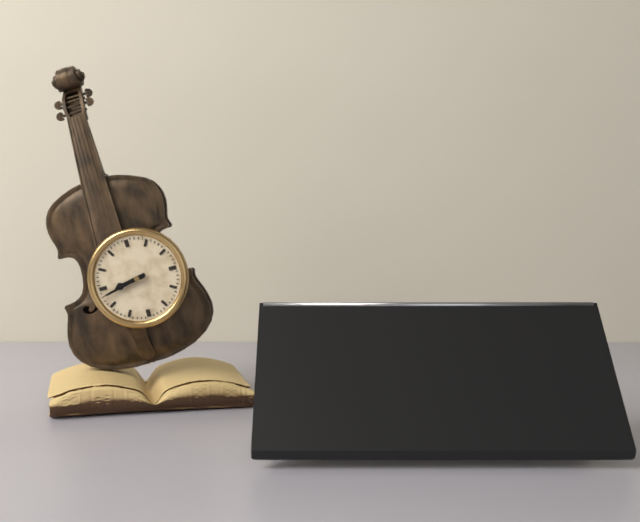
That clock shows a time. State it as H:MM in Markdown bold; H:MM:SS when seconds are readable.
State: **8:43**
